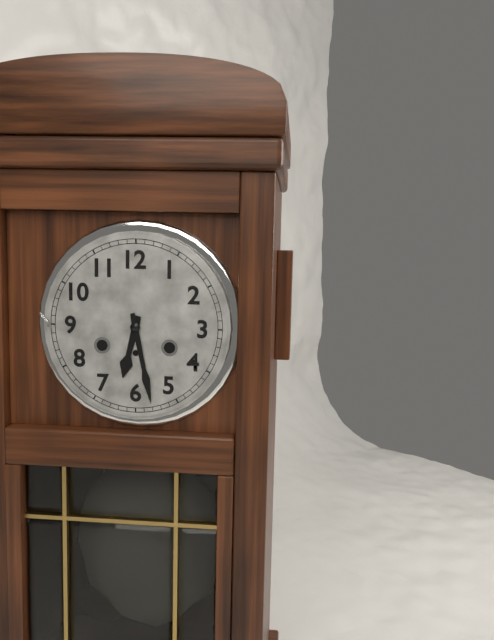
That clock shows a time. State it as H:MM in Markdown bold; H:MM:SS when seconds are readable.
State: **6:28**
